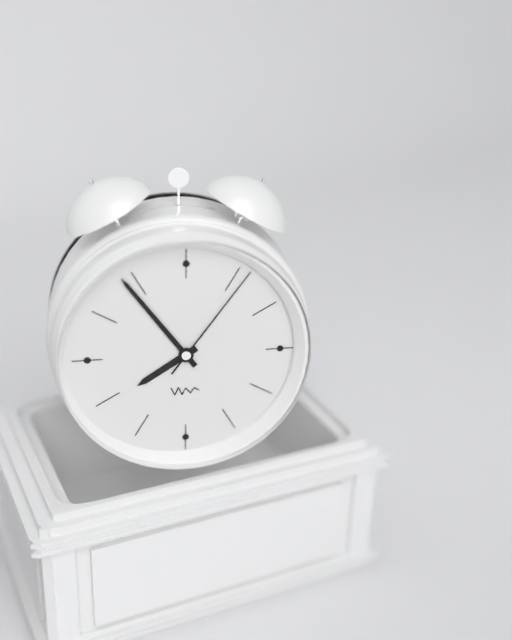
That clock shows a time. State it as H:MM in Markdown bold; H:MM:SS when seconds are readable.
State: **7:54:06**
